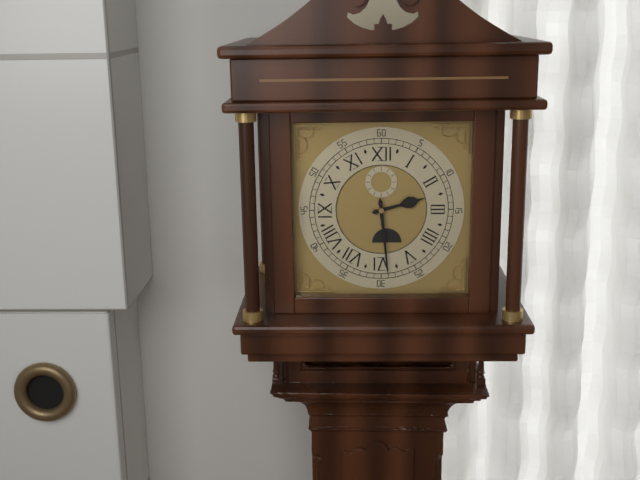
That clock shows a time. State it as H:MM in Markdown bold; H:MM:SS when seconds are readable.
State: **2:29**
